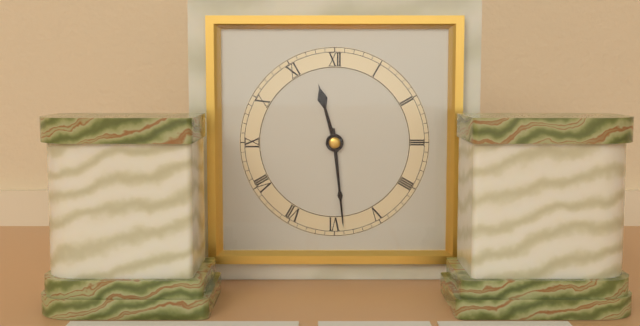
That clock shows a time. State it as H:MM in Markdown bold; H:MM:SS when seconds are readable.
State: **11:29**
